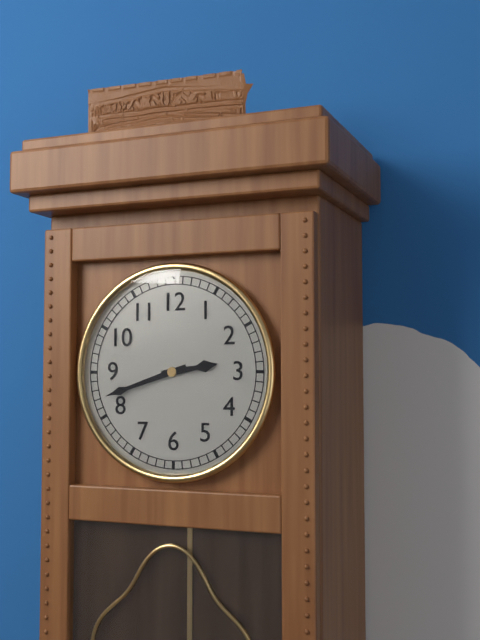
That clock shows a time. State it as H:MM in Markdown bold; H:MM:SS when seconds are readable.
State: **2:42**
